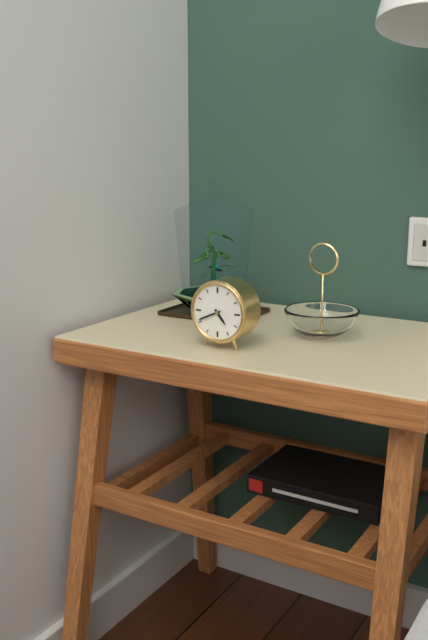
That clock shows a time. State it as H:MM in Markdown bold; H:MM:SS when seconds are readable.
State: **4:41**
